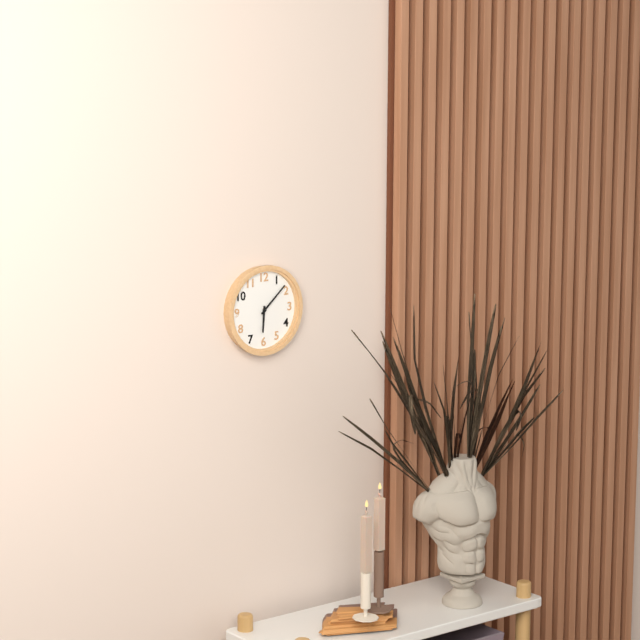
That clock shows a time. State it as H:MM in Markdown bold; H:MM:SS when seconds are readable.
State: **6:08**
